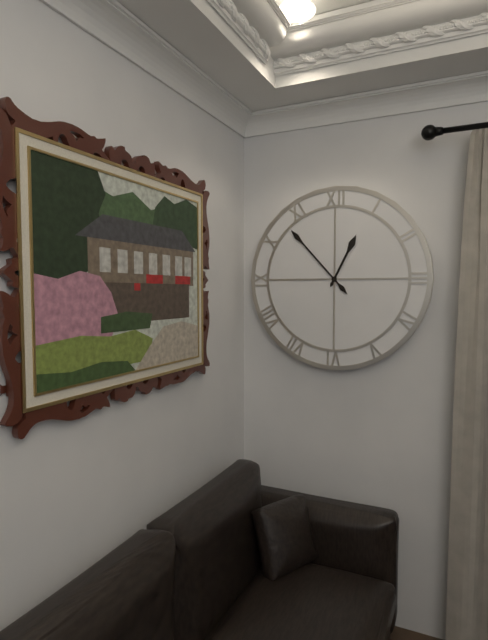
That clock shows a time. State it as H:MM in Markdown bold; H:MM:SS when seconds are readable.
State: **12:53**
